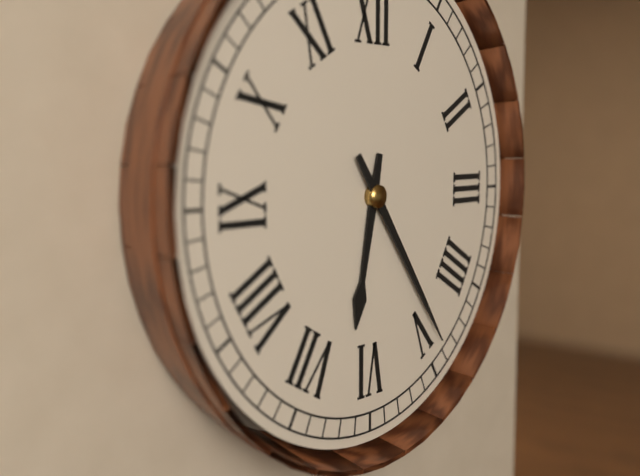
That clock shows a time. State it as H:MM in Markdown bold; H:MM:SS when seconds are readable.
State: **6:24**
